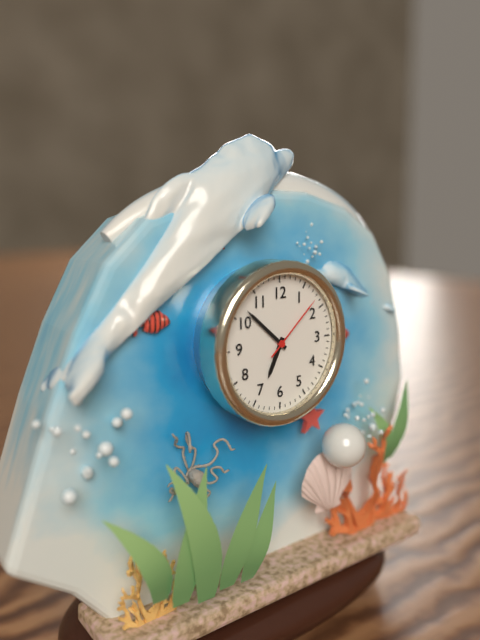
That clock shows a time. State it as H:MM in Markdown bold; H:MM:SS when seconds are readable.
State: **6:52:08**
